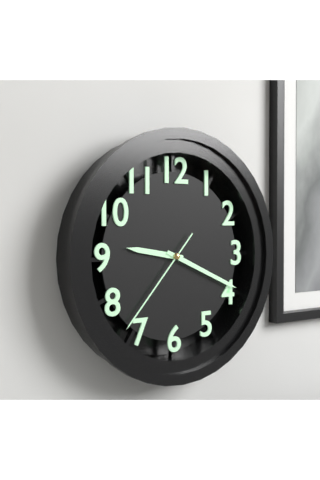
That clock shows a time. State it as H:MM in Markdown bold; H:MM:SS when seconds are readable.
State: **9:19:37**
